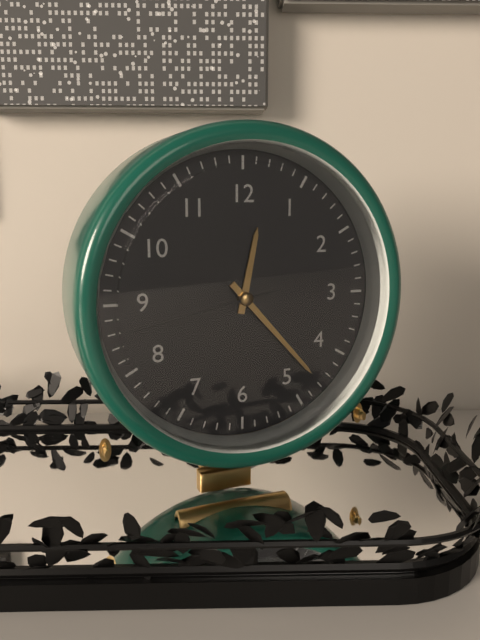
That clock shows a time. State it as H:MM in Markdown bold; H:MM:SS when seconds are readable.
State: **12:23:43**
